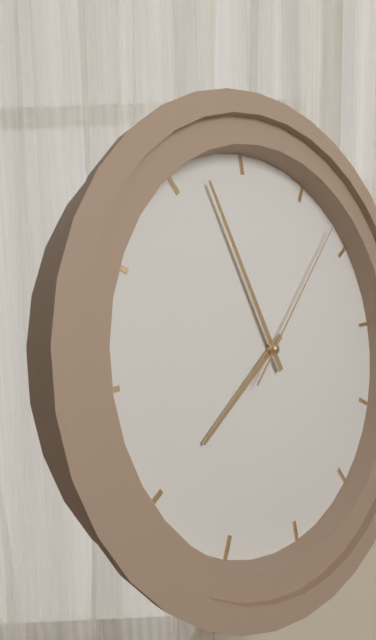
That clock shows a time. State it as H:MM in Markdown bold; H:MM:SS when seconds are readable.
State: **7:57:08**
